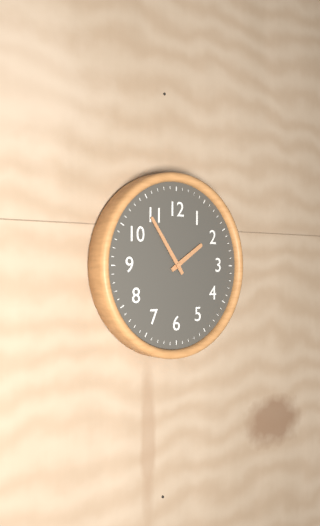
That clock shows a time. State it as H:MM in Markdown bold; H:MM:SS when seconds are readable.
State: **1:54**
